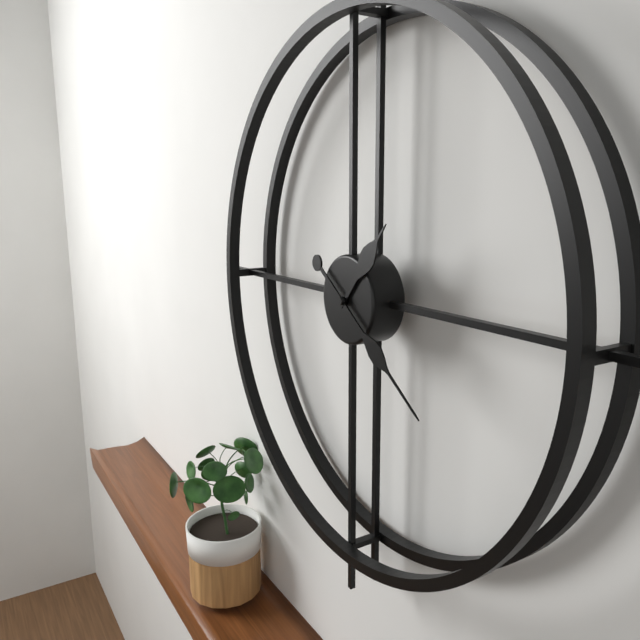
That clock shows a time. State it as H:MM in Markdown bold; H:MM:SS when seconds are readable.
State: **1:21**
